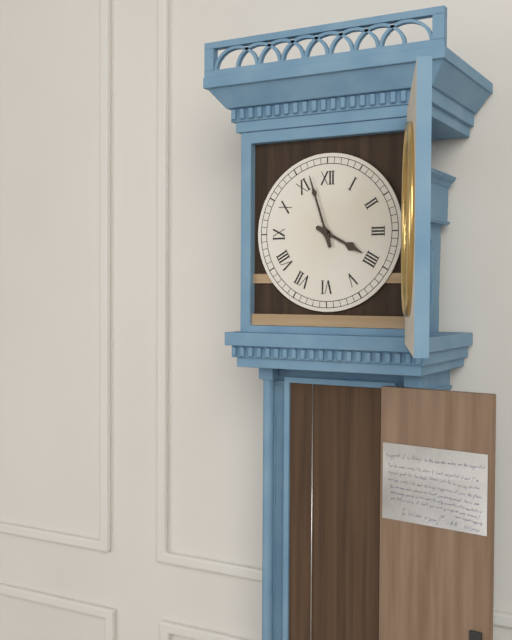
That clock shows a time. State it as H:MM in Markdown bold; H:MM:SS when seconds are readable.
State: **3:57**
